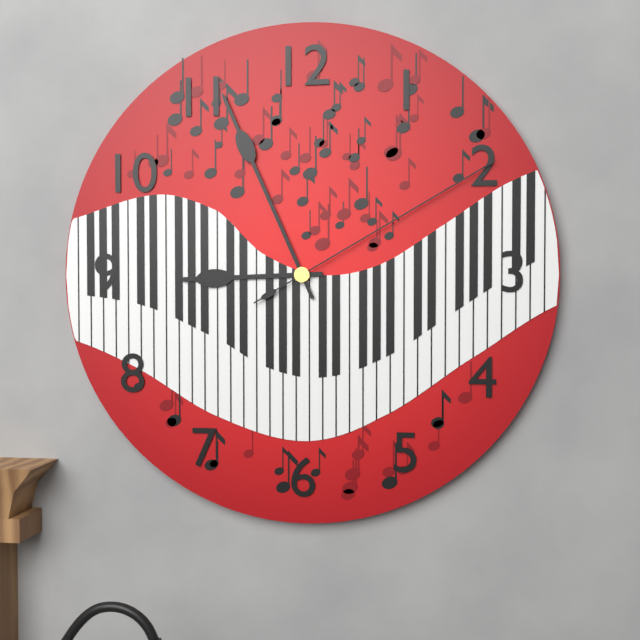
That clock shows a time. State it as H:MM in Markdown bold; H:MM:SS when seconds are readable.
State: **8:56:10**
